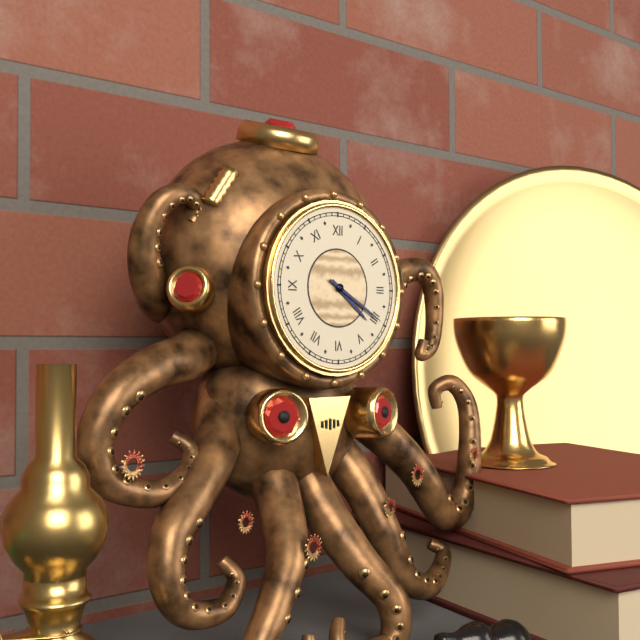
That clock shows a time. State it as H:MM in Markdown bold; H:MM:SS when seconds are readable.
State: **4:20**
